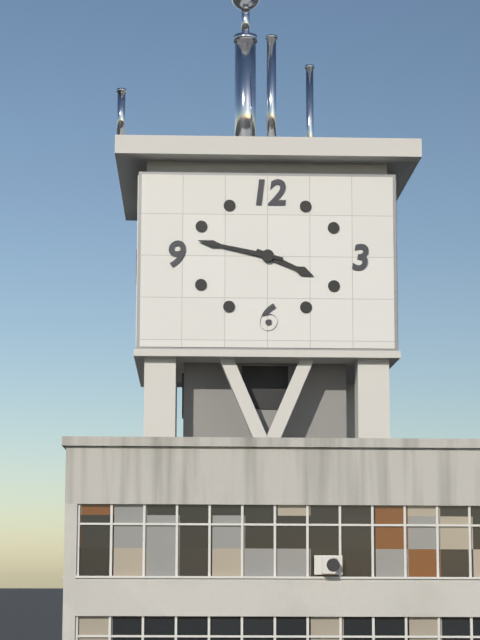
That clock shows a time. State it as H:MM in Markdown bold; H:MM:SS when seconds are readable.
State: **3:47**
